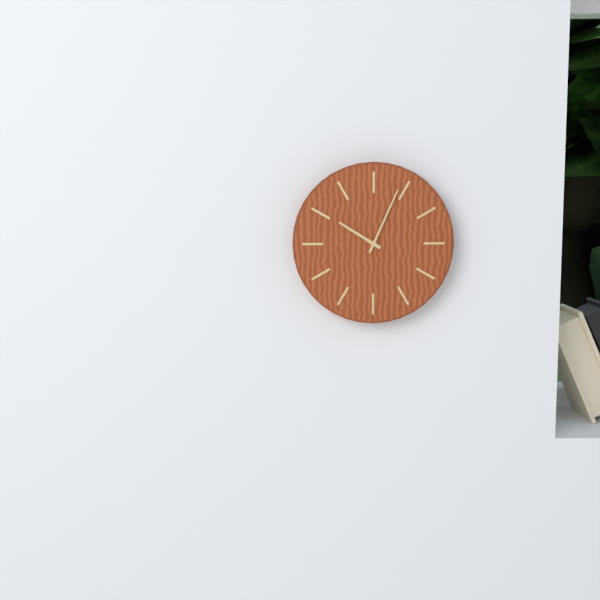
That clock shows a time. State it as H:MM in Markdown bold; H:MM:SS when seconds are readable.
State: **10:04**
